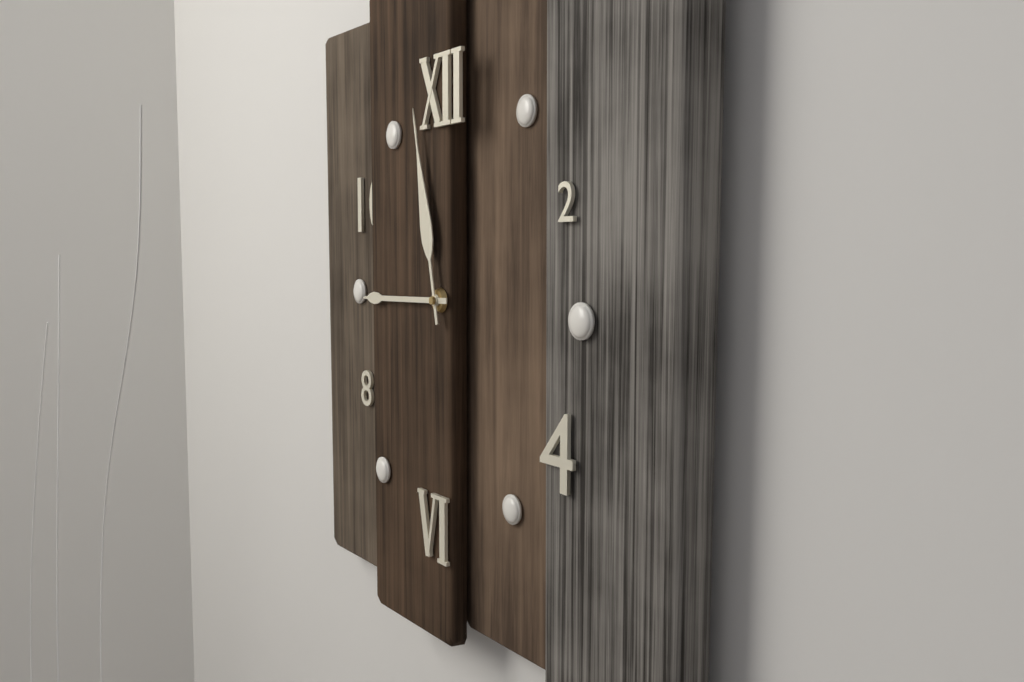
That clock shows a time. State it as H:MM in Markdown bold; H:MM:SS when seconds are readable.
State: **8:58**
